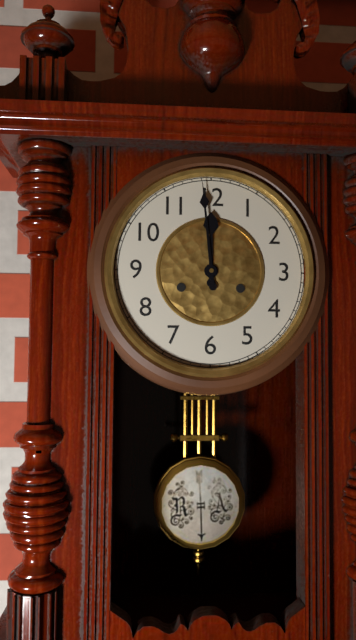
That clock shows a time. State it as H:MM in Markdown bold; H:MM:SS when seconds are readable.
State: **11:59**
